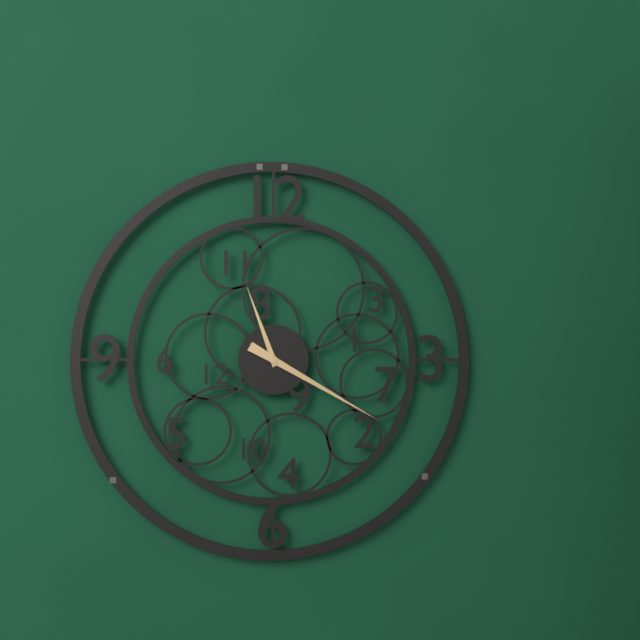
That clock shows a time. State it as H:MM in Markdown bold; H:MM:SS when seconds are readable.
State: **11:20**
